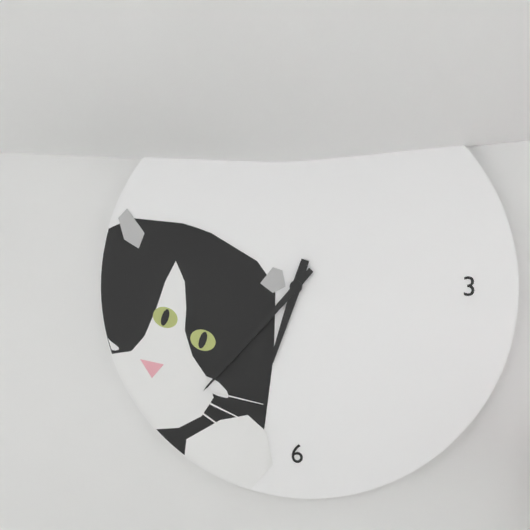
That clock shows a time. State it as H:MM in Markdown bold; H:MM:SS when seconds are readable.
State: **6:37**
